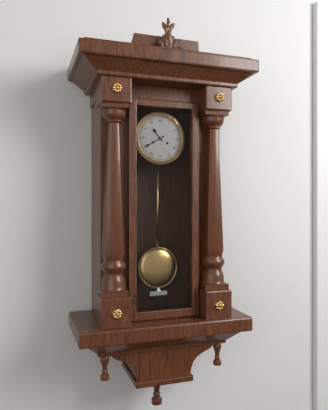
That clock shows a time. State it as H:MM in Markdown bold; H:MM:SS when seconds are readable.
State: **10:40**
